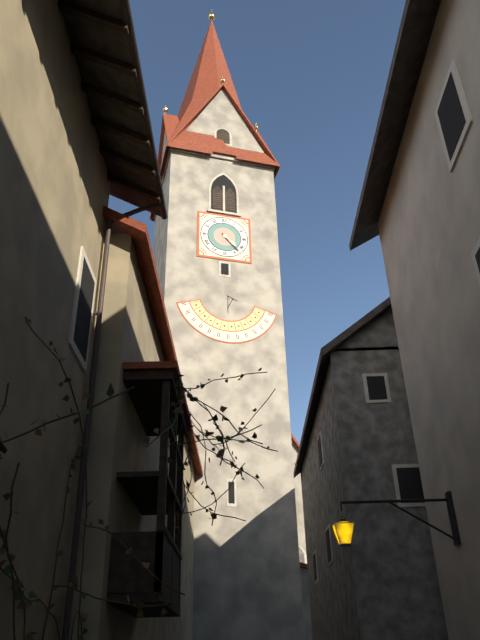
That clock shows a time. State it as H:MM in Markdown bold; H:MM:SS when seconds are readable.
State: **4:23**
